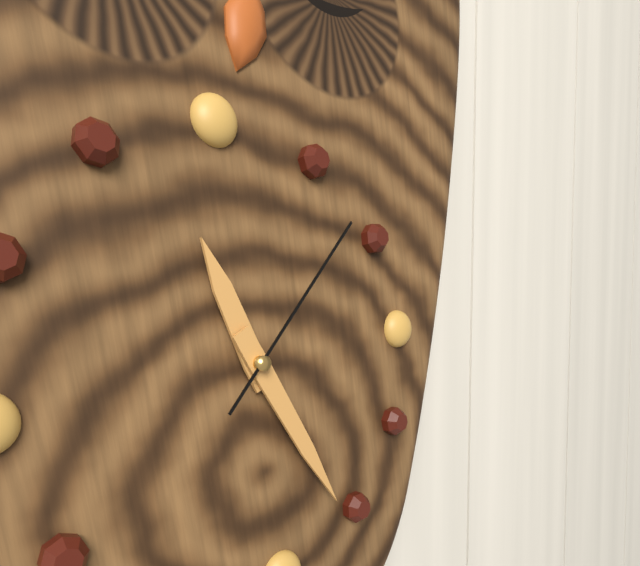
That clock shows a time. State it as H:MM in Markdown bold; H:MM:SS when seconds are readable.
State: **11:26:08**
